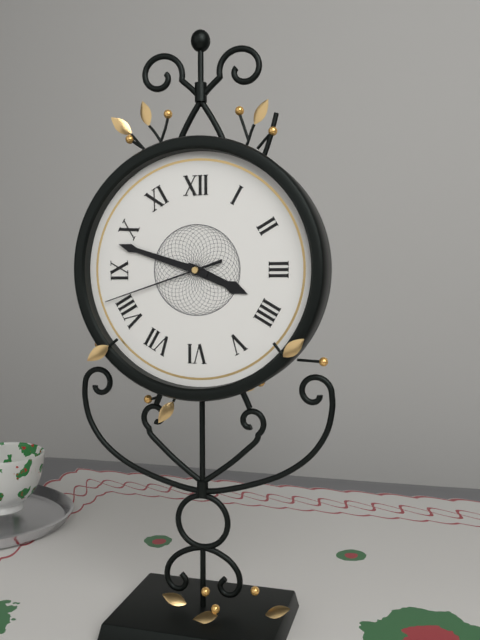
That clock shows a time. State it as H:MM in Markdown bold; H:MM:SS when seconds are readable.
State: **3:48:42**
